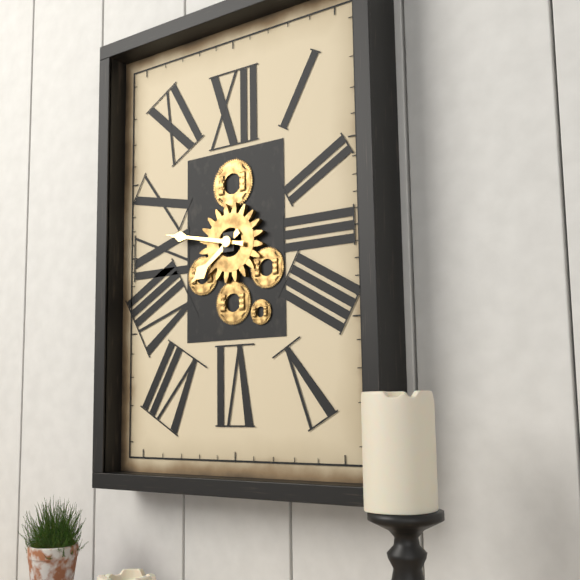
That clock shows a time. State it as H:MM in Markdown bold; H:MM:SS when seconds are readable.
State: **7:47**
